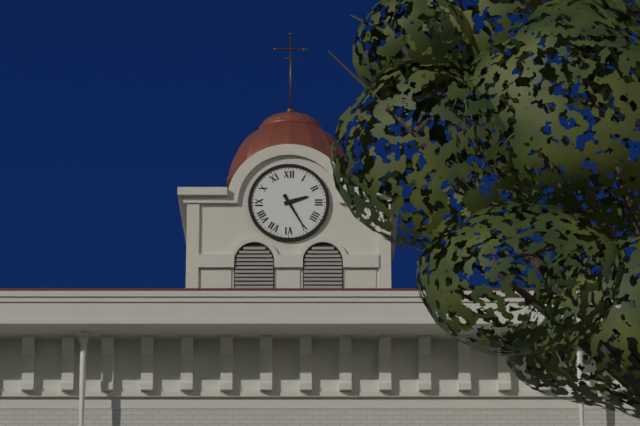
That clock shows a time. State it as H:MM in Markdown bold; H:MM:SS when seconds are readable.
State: **2:25**
